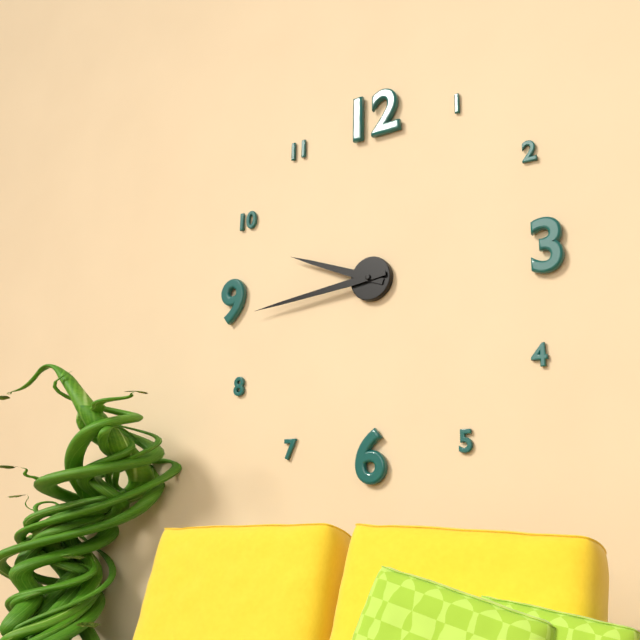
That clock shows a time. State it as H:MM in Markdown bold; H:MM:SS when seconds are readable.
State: **9:44**
